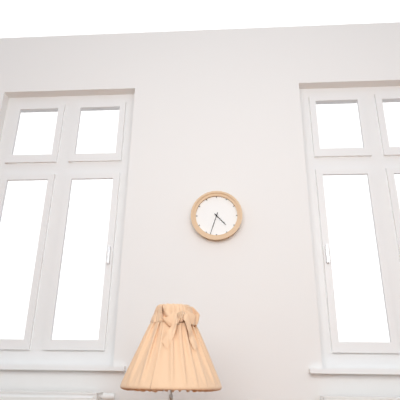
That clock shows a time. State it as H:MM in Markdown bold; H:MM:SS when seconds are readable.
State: **4:33**
